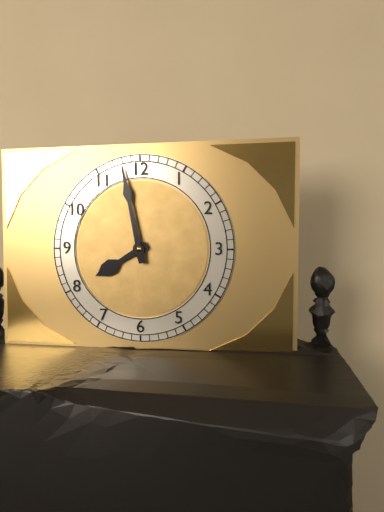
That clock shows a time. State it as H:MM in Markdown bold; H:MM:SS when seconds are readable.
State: **7:58**
